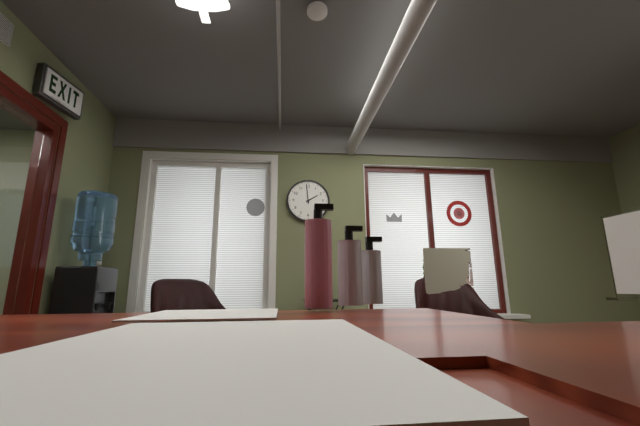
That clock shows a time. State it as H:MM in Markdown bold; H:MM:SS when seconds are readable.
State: **1:59**
